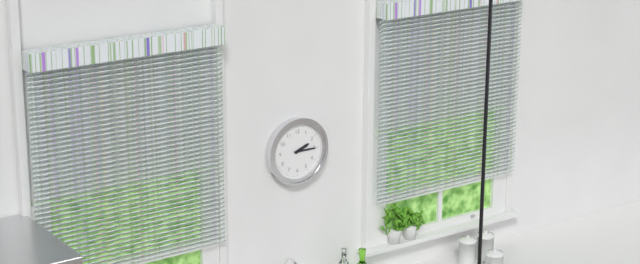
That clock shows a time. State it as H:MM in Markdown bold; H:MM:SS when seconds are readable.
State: **2:15**
